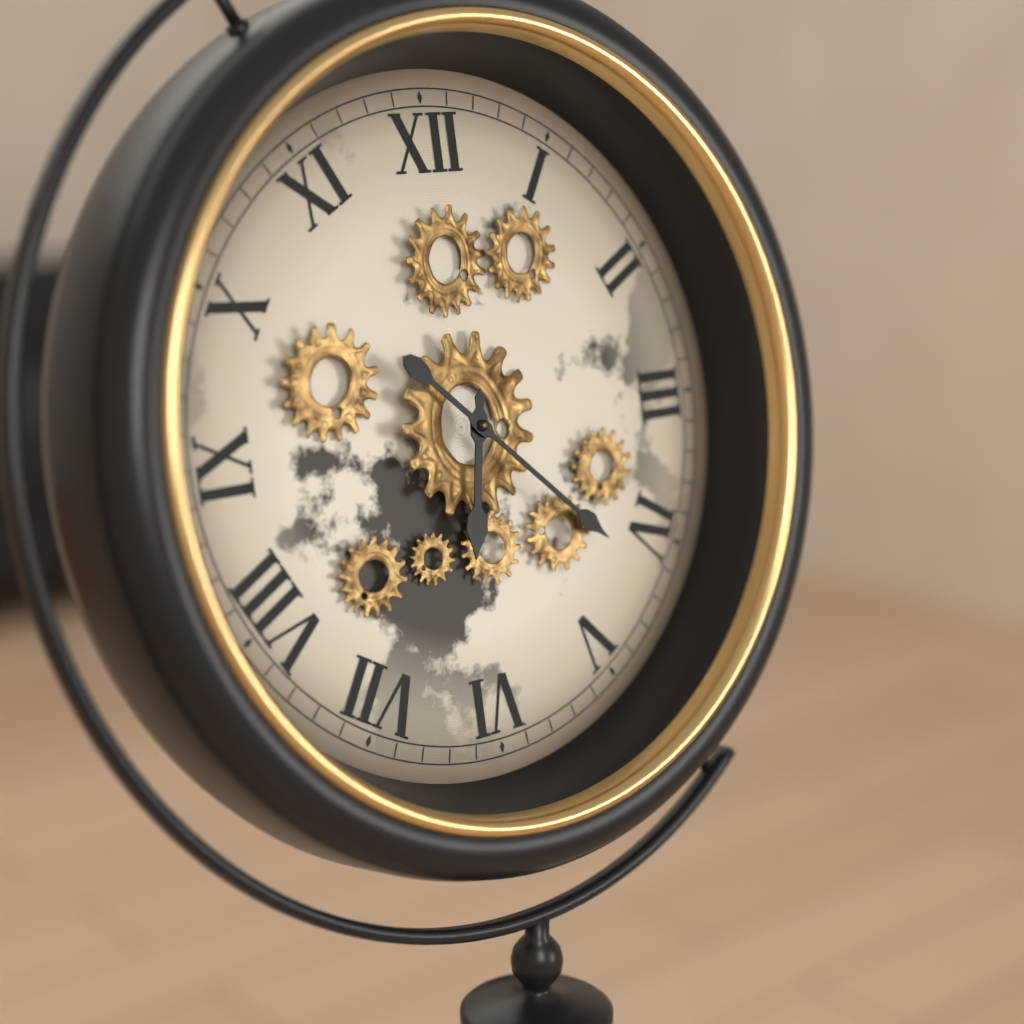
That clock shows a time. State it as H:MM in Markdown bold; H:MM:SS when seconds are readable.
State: **6:22**
